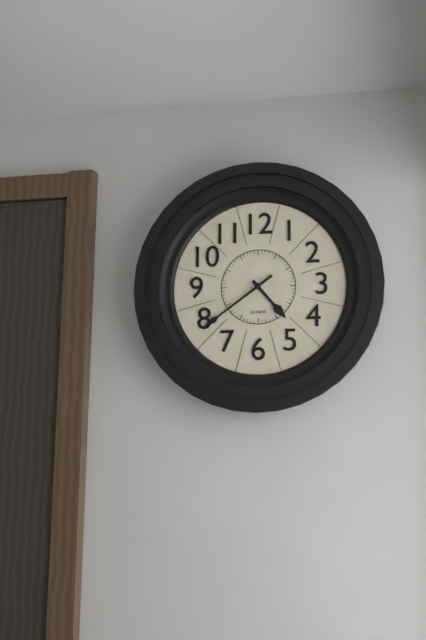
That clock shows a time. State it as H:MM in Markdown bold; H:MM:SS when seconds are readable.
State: **4:39**
